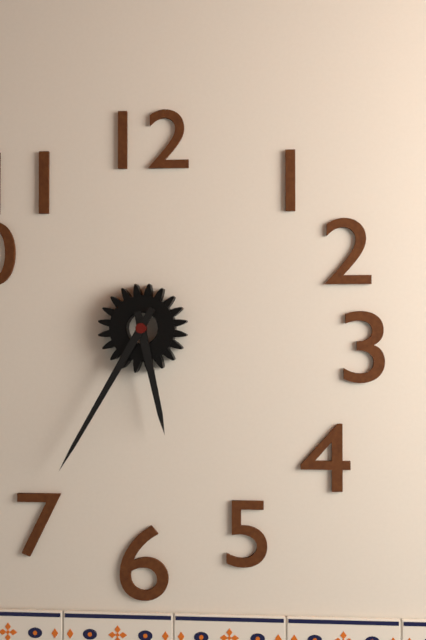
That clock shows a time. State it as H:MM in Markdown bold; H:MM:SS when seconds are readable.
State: **5:35**
